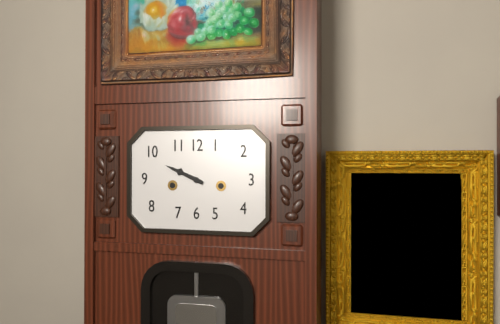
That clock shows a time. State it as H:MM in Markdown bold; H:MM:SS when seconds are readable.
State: **9:49**
